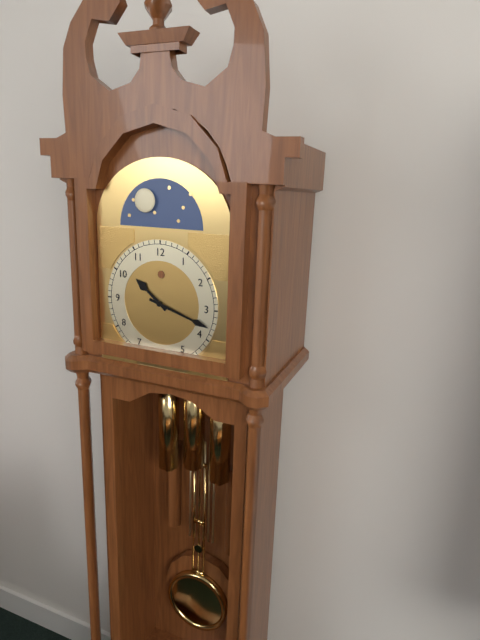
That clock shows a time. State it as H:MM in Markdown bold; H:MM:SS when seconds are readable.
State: **10:18**
